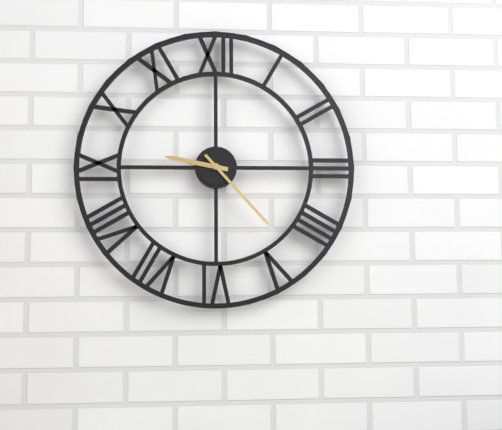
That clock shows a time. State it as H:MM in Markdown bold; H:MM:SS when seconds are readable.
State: **9:23**
